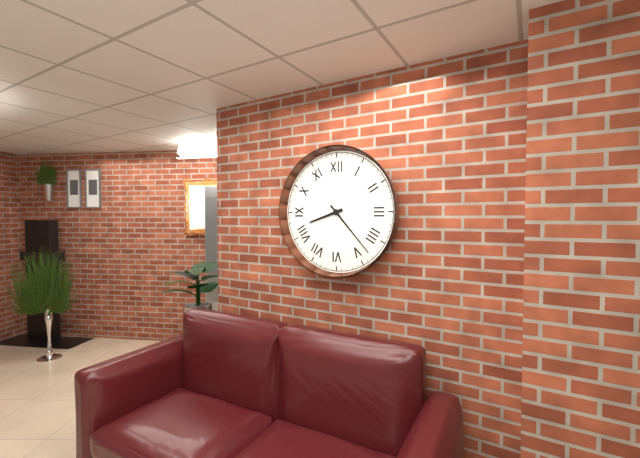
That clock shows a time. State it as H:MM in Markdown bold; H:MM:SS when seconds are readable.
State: **8:23**
